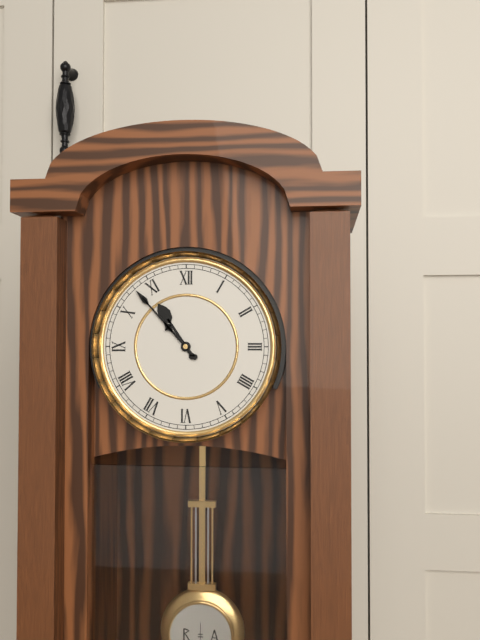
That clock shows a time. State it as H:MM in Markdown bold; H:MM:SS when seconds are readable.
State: **10:53**
